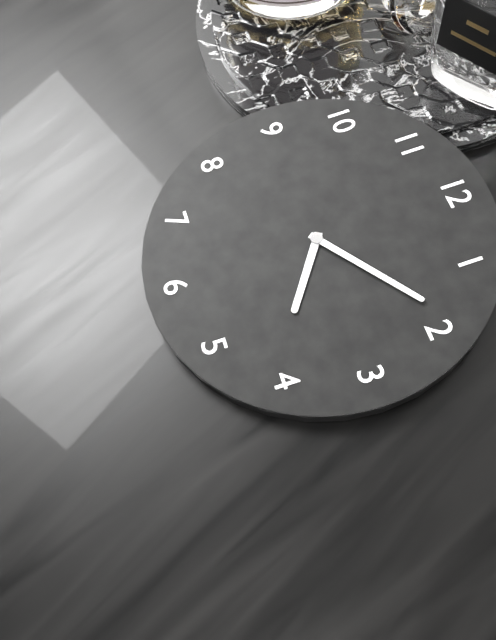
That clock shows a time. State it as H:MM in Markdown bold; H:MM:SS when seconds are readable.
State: **4:09**
